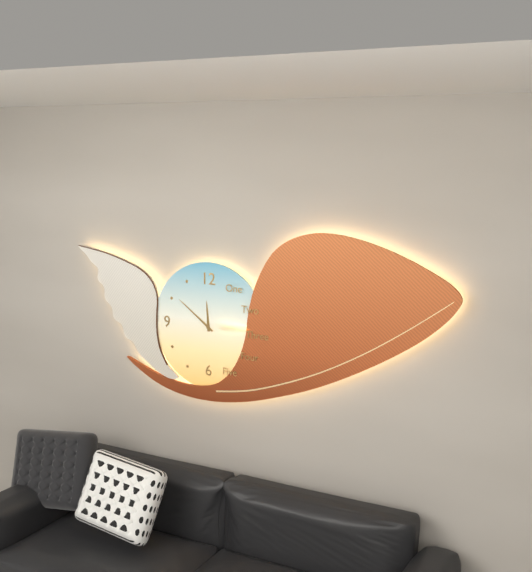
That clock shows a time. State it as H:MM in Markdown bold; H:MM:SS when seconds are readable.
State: **11:51**
